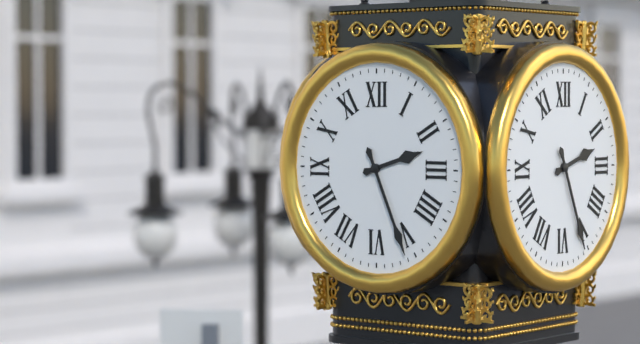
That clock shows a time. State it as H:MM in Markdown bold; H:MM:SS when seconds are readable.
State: **2:26**
